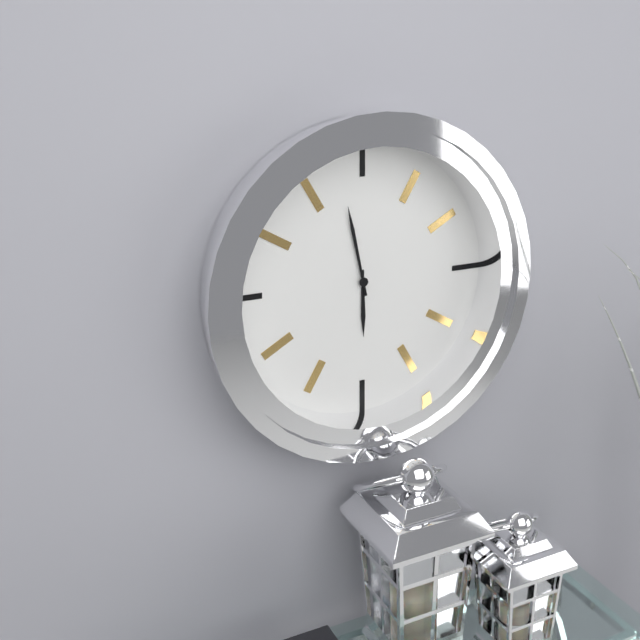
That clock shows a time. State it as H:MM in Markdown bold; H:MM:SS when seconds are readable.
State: **5:58**
